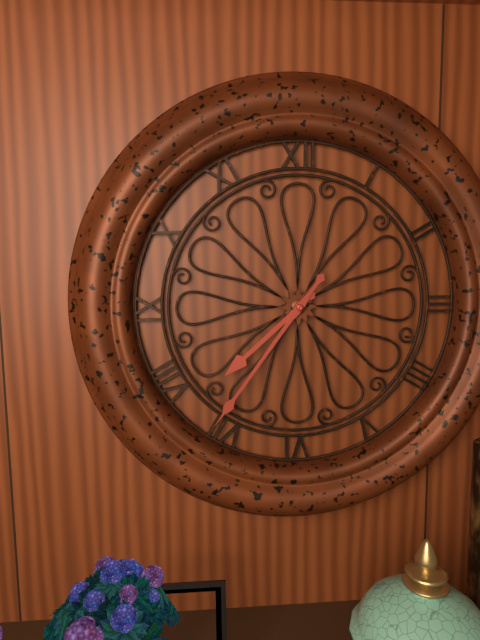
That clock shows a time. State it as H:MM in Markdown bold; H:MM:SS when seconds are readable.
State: **7:36**
